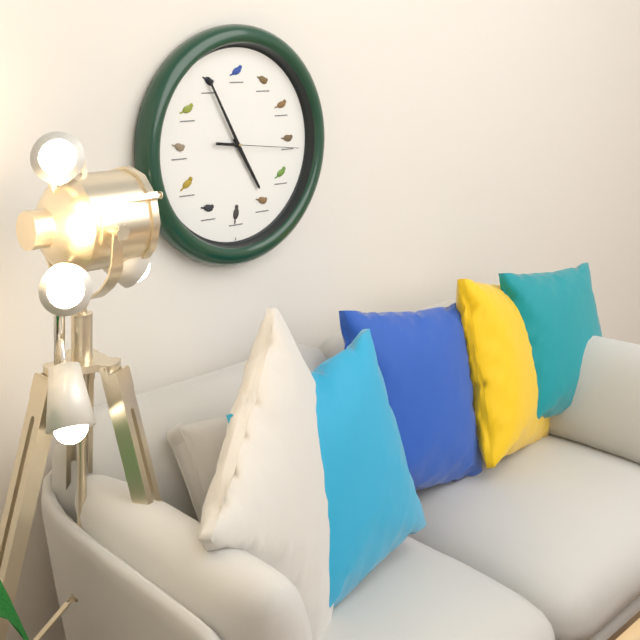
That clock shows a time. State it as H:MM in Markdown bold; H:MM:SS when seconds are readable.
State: **4:55:16**
